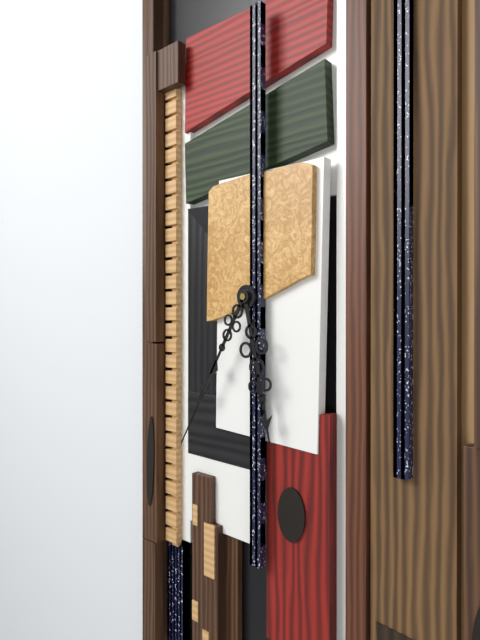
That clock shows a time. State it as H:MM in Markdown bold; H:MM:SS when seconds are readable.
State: **5:35**
